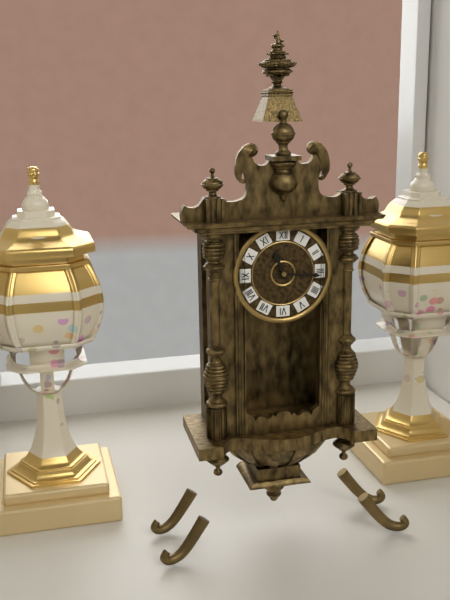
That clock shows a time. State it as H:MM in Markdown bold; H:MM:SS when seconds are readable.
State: **11:16**
